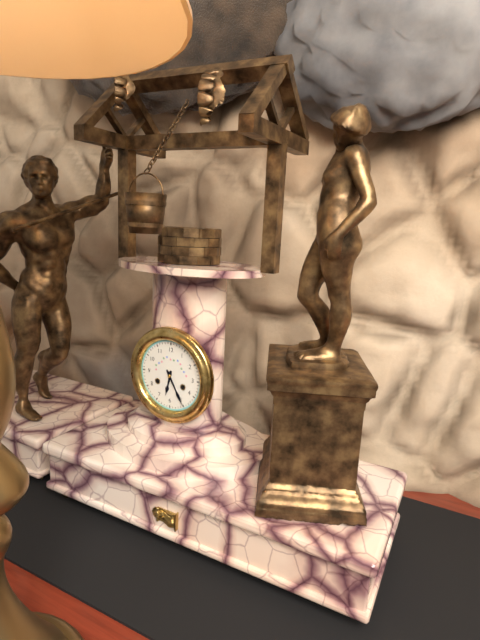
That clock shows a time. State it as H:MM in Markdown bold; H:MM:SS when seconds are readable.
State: **6:25**
